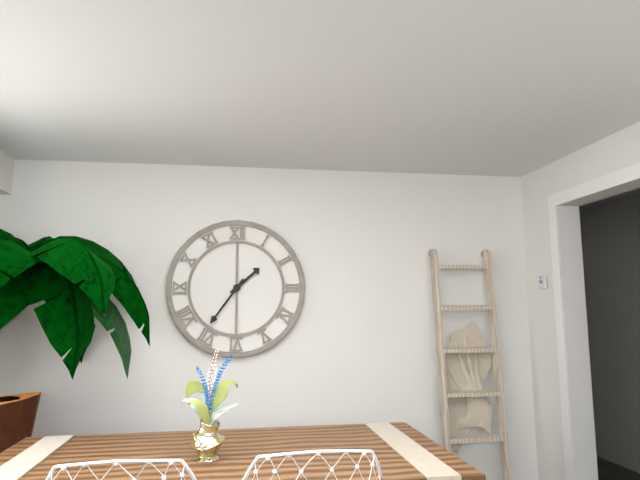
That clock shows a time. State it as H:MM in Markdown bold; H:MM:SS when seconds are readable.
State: **1:36**
